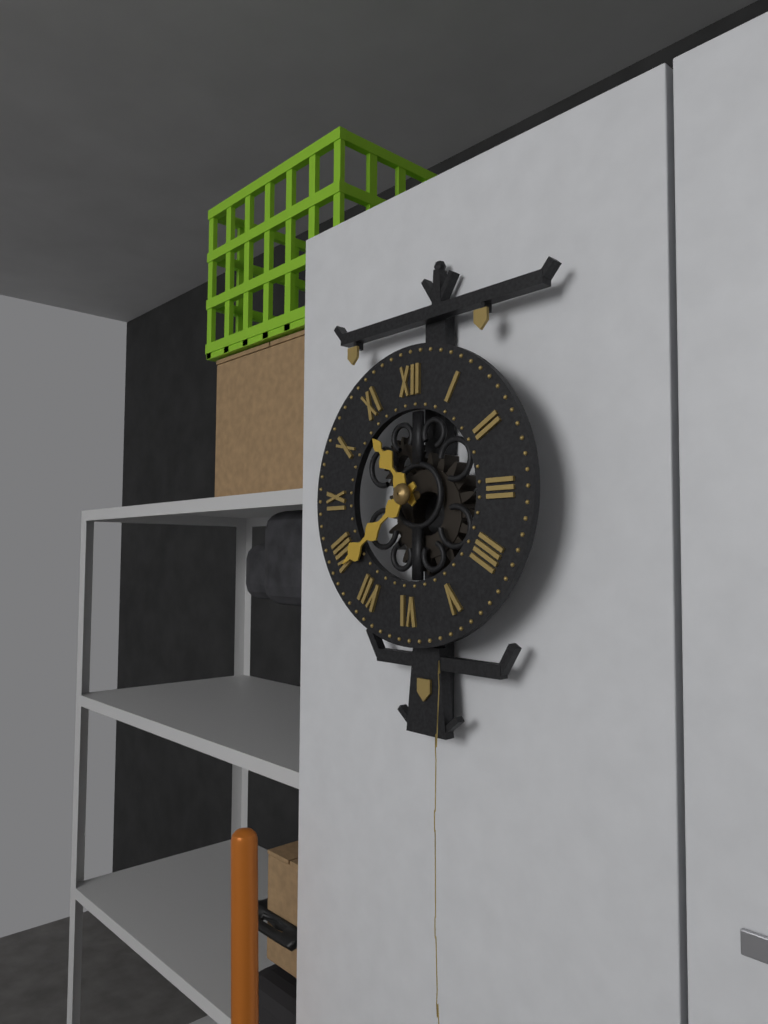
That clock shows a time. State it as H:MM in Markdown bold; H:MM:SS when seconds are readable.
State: **10:39**
